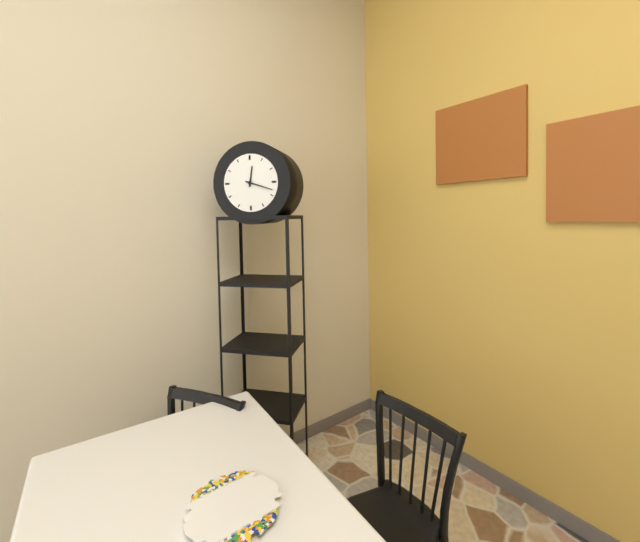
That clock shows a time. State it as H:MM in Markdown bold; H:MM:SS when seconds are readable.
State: **12:18**
